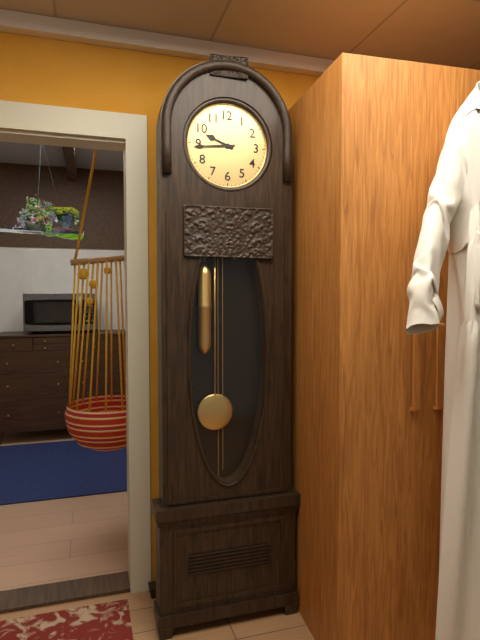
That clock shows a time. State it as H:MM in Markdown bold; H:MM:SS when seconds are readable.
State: **9:44**
